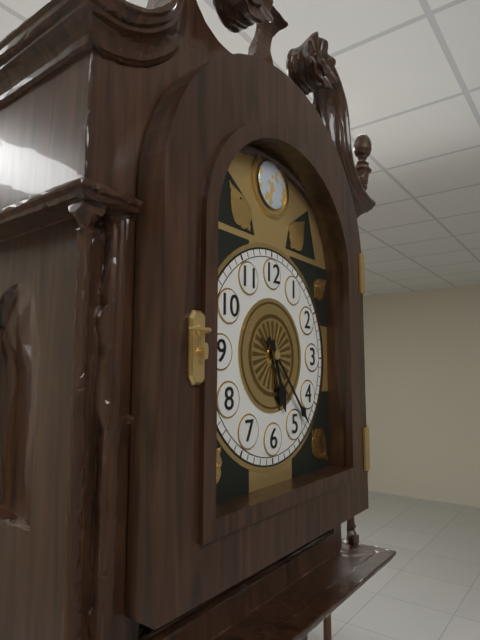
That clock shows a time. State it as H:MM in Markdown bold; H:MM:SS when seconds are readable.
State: **5:23**
